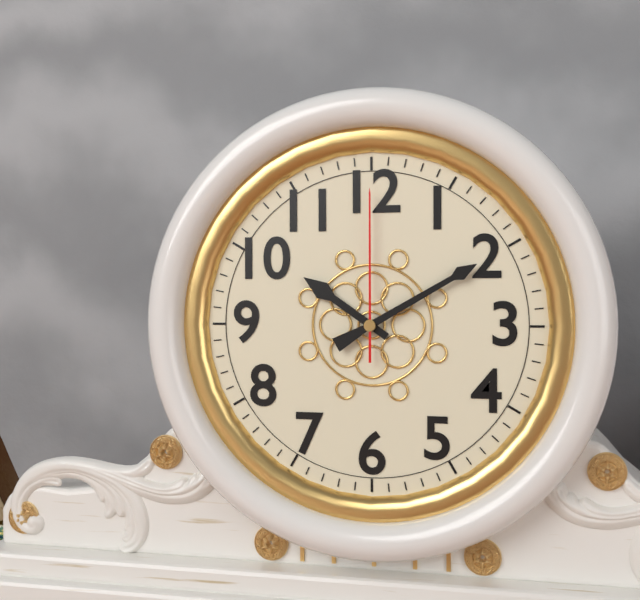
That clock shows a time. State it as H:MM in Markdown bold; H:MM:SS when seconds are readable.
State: **10:10:00**
